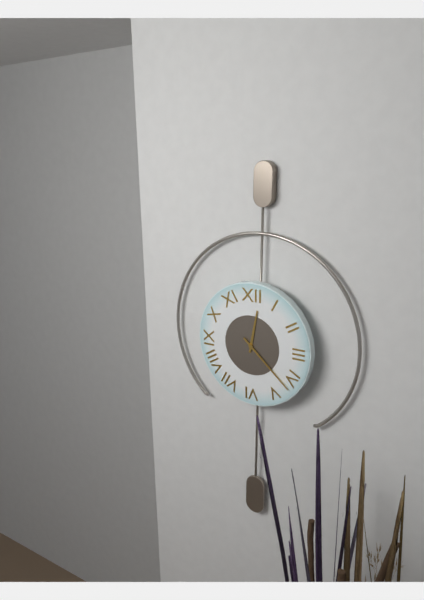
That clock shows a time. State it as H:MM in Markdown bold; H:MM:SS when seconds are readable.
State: **12:22**
